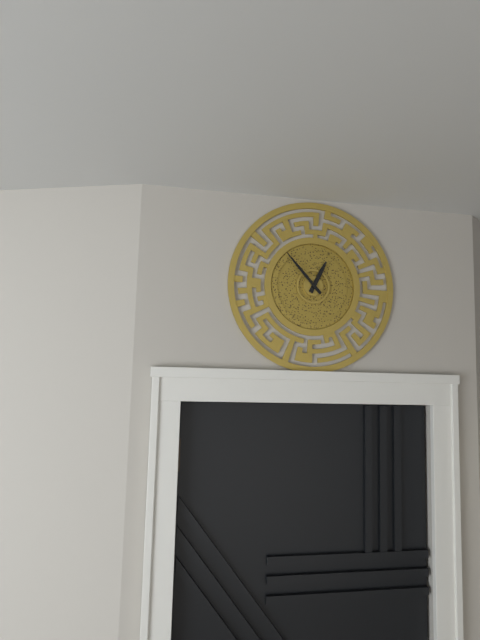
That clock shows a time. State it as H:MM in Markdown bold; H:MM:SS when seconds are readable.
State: **12:53**
